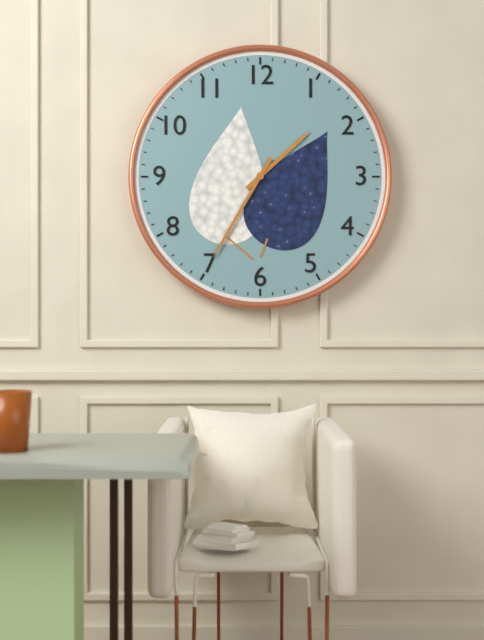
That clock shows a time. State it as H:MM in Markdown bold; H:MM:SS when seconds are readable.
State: **1:35**
